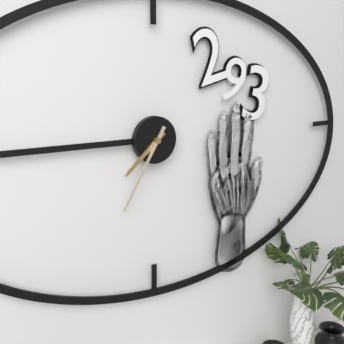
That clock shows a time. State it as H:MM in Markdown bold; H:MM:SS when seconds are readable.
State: **7:35**
